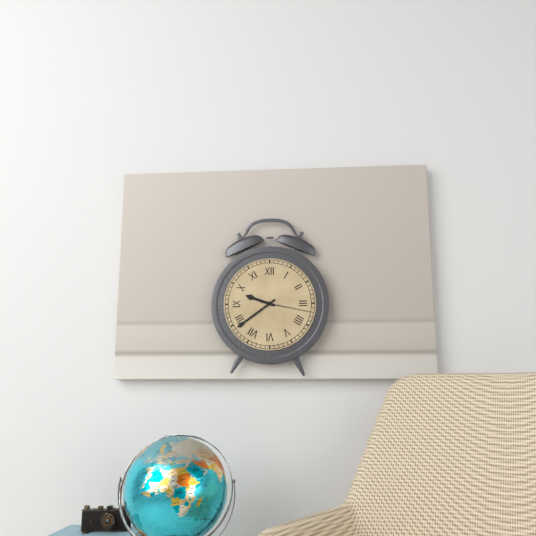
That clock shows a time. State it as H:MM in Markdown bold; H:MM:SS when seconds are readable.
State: **9:39:17**
